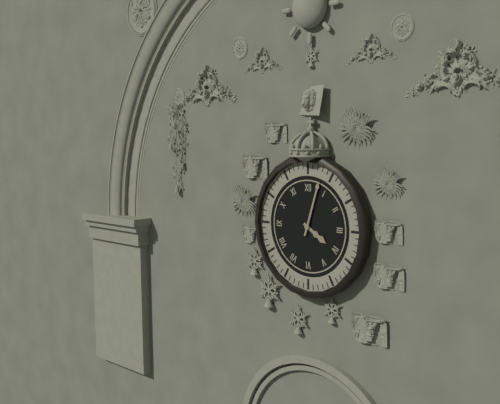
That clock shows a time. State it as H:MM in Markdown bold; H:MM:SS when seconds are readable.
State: **4:03**
